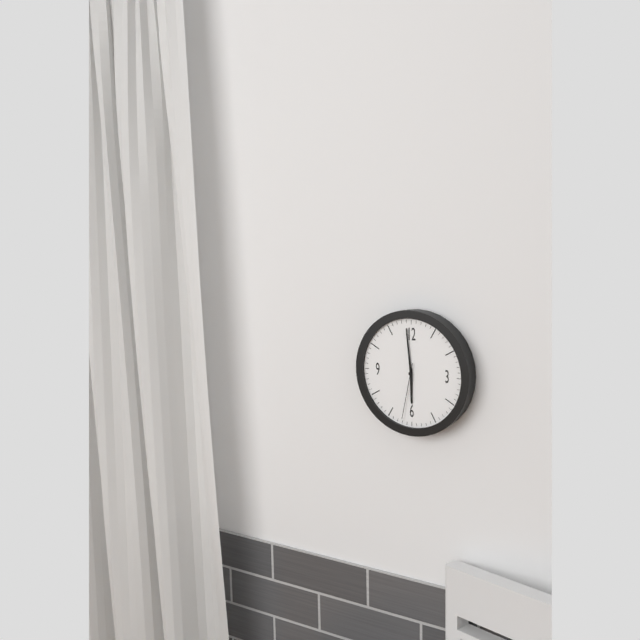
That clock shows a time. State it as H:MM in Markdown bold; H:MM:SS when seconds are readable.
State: **5:59:32**
